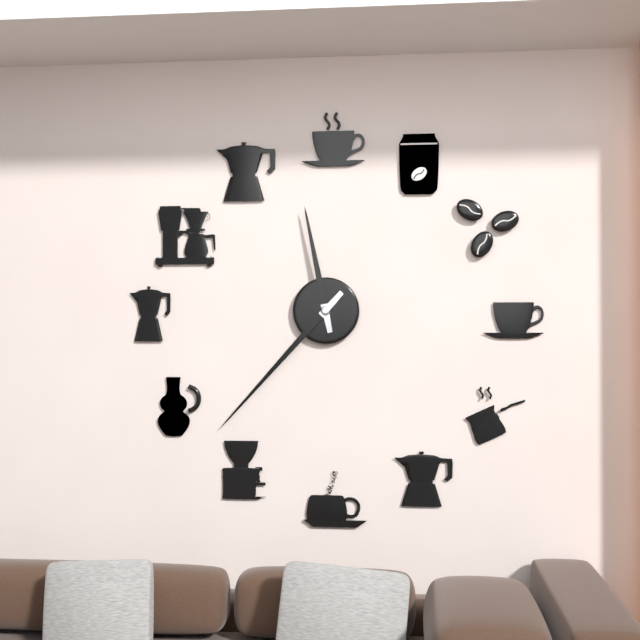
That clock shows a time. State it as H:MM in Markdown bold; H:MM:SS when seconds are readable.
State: **11:37**
